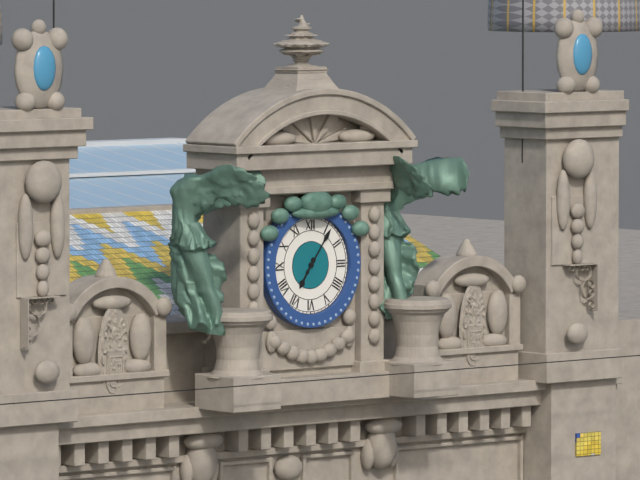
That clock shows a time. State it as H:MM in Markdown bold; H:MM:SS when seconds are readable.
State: **7:06**
